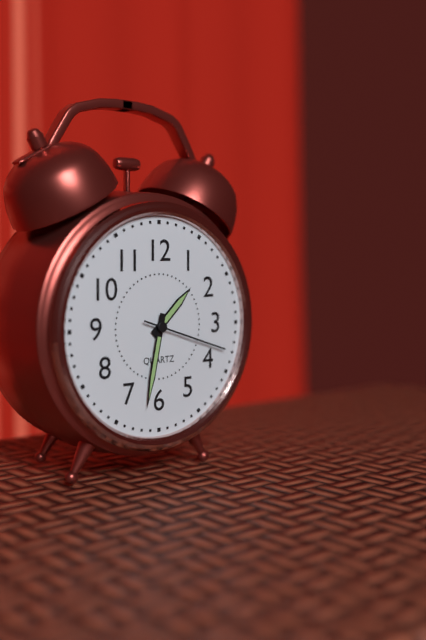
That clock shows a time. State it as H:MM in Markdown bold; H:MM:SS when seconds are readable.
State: **1:32:18**
